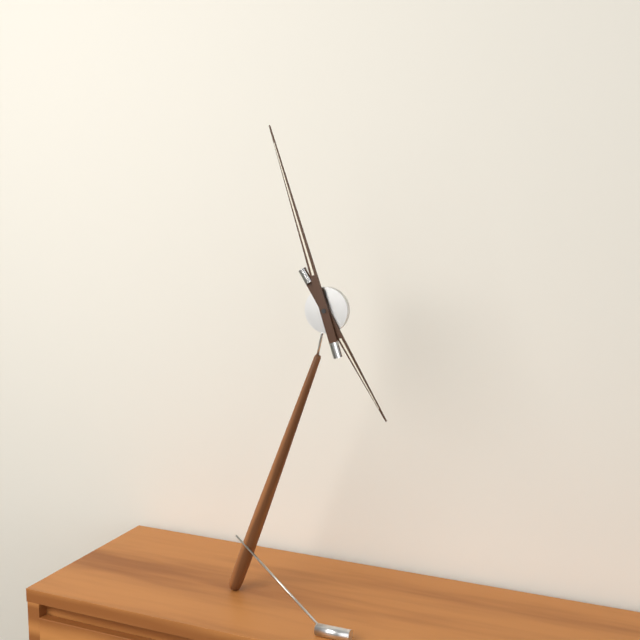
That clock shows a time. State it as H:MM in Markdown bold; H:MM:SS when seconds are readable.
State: **4:57**
